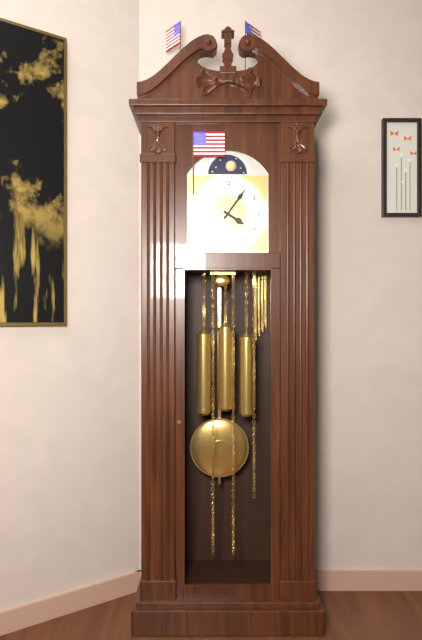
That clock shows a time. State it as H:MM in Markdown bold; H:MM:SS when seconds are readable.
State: **4:06**
